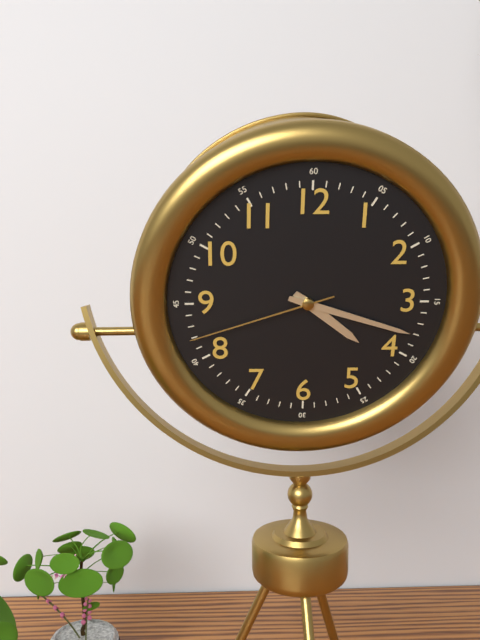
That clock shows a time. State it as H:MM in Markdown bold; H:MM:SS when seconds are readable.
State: **4:18:42**
